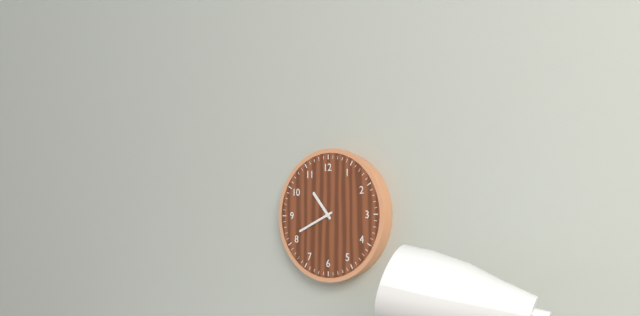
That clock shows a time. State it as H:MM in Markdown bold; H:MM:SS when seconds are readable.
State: **10:41**
